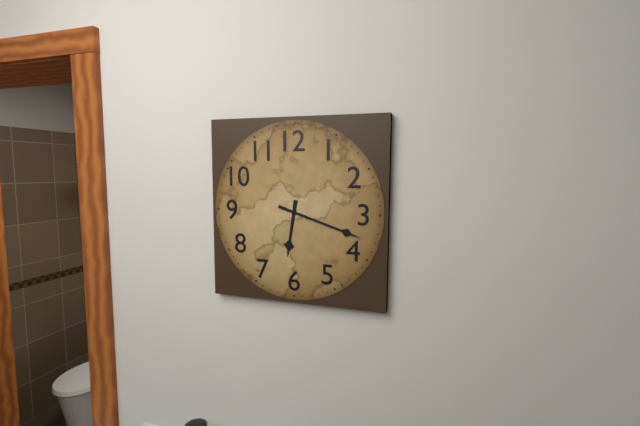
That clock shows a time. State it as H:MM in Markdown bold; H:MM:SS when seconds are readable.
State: **6:18**
